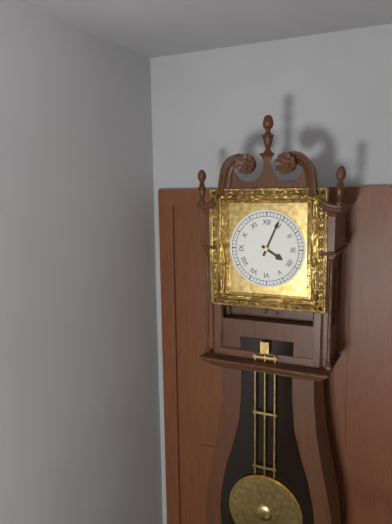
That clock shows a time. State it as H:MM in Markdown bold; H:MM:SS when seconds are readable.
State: **4:04**
